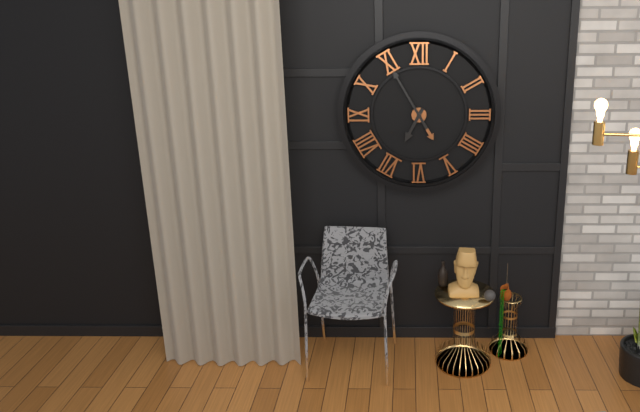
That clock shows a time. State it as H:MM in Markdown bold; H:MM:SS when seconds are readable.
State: **6:55**
